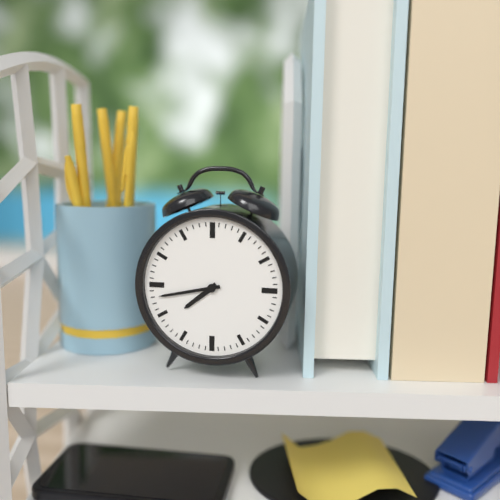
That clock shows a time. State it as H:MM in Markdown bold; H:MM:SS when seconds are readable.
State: **7:43**
